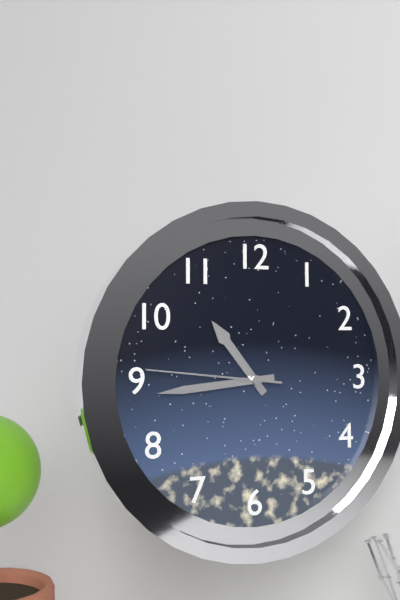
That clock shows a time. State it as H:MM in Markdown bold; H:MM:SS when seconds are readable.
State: **10:44:46**
